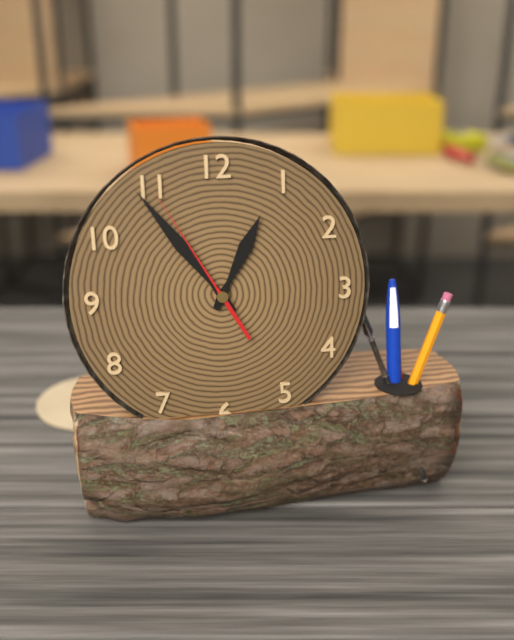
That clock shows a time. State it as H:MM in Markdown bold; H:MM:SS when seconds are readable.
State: **12:54:55**
